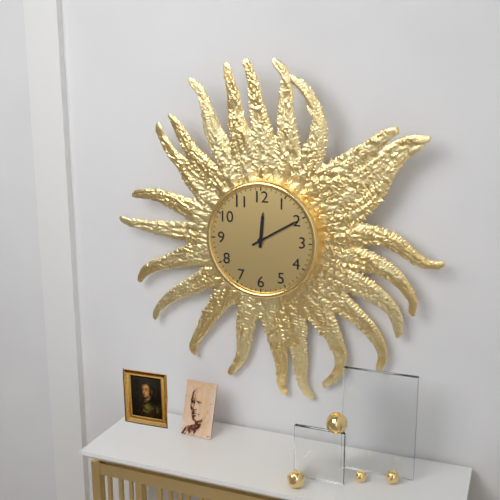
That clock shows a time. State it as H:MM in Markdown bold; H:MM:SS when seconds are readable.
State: **12:10**
